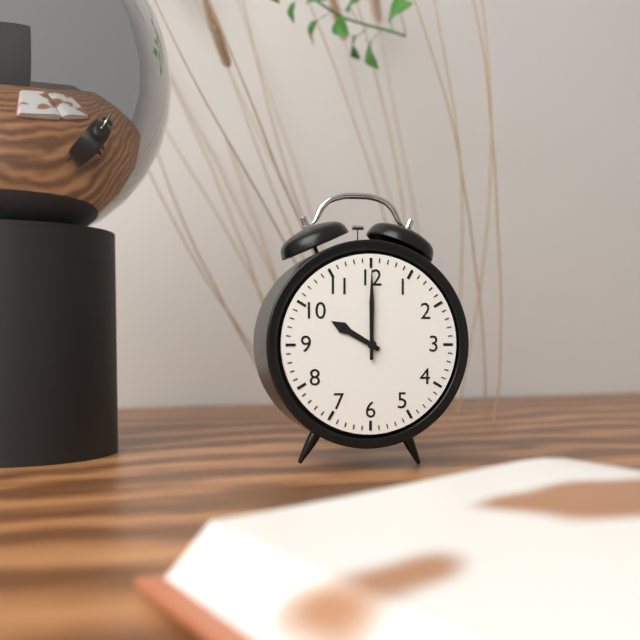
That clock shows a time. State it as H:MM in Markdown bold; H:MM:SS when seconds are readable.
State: **10:00**
